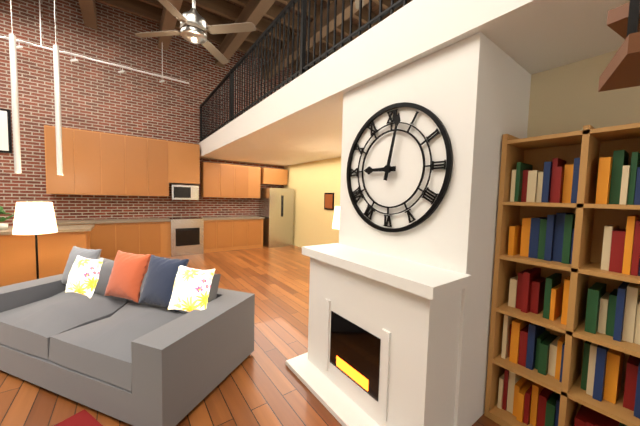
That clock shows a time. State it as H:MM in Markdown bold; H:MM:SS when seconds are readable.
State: **9:02**
